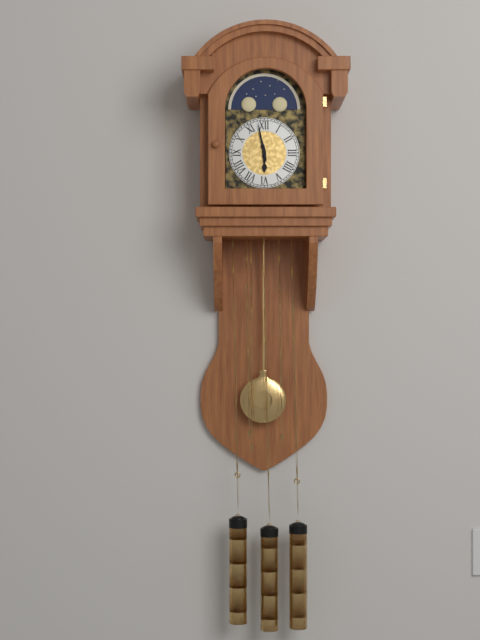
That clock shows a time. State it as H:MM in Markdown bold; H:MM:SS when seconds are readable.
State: **5:58**
